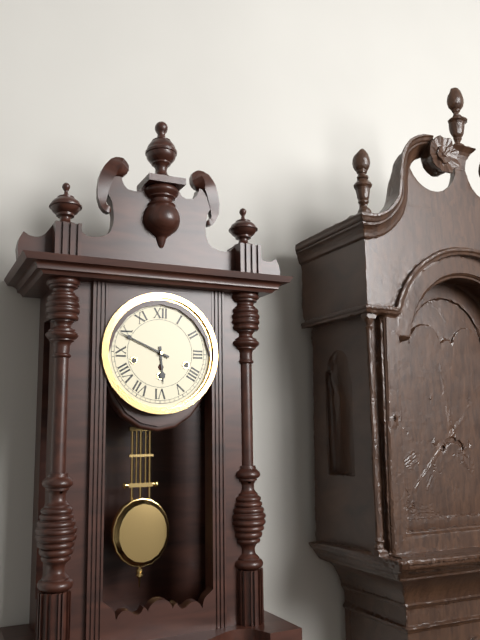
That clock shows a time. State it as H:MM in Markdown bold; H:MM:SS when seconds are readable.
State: **5:49**
